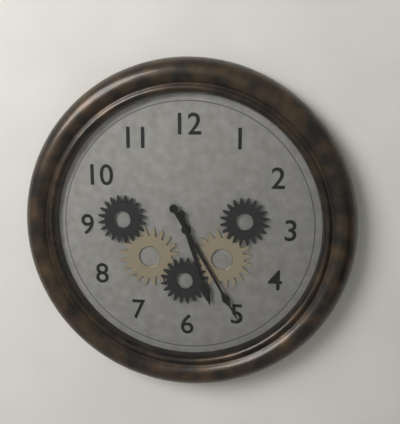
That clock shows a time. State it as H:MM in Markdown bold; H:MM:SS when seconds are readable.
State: **5:25**
